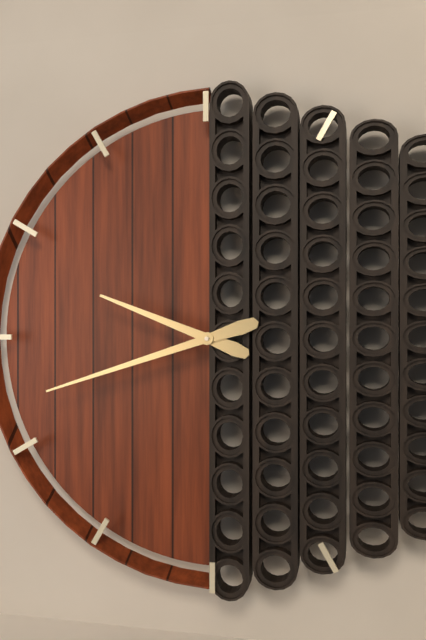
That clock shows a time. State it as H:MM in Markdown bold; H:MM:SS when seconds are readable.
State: **9:42**
